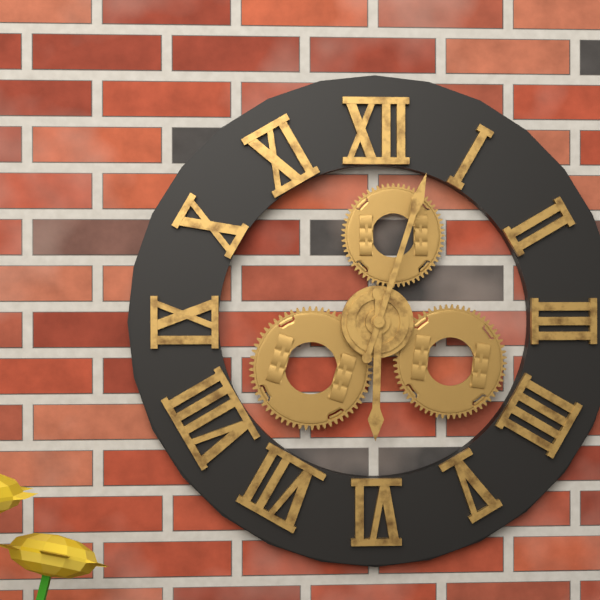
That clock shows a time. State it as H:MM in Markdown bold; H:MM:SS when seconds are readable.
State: **6:03**
